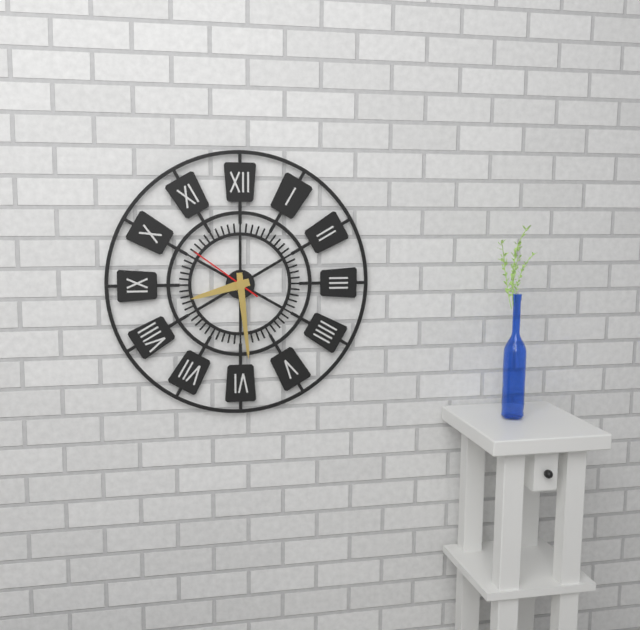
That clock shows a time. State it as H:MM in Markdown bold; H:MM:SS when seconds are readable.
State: **8:29:51**
